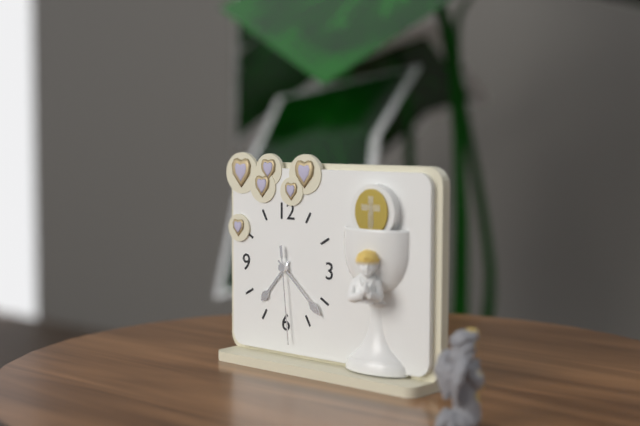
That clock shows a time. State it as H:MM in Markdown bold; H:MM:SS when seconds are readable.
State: **7:22:29**
